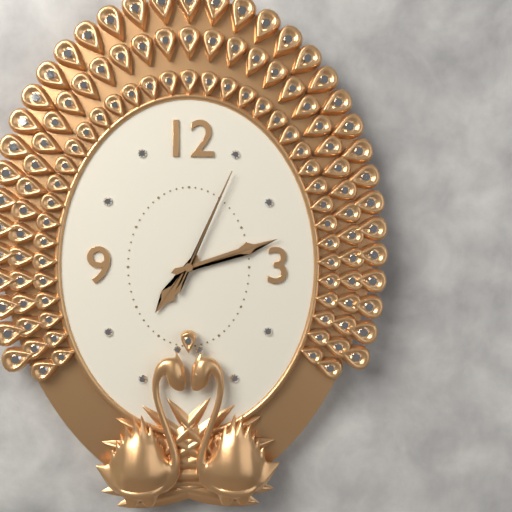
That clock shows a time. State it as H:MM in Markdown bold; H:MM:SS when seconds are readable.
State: **7:12:04**
